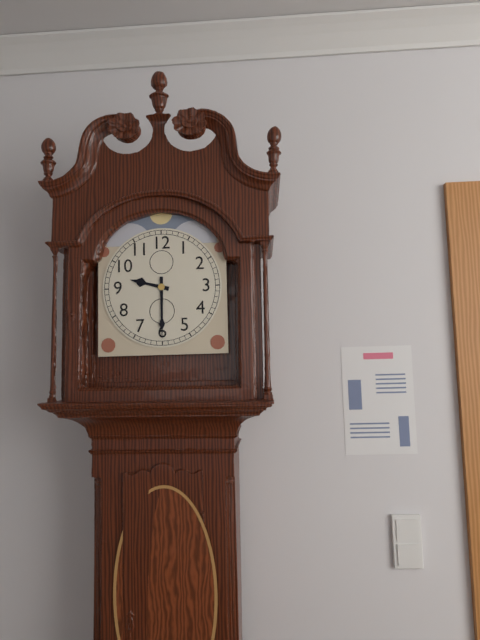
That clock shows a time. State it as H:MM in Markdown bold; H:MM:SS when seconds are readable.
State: **9:30**
